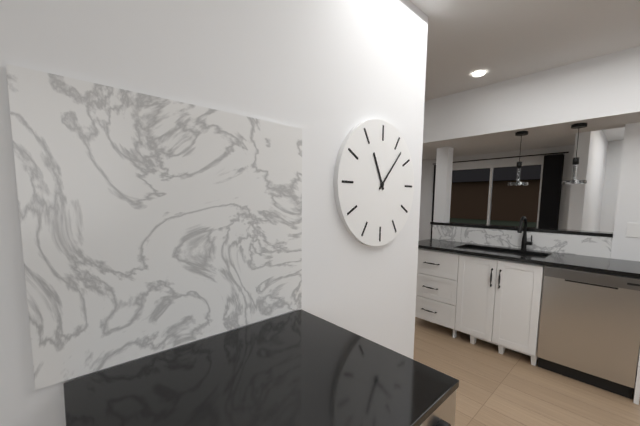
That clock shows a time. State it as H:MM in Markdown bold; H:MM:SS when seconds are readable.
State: **11:07**
